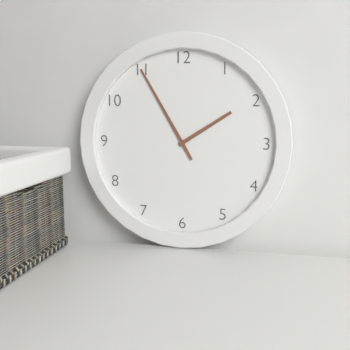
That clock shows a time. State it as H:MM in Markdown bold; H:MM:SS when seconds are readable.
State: **1:55**
